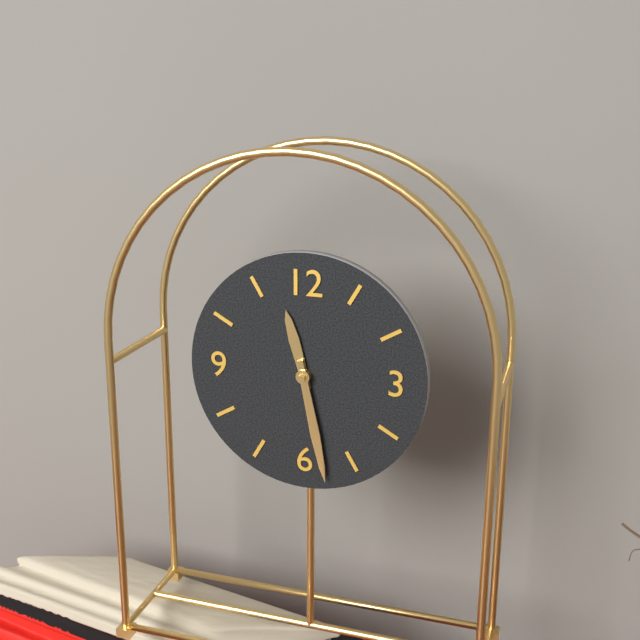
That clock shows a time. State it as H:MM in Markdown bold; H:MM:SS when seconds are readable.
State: **11:28**
